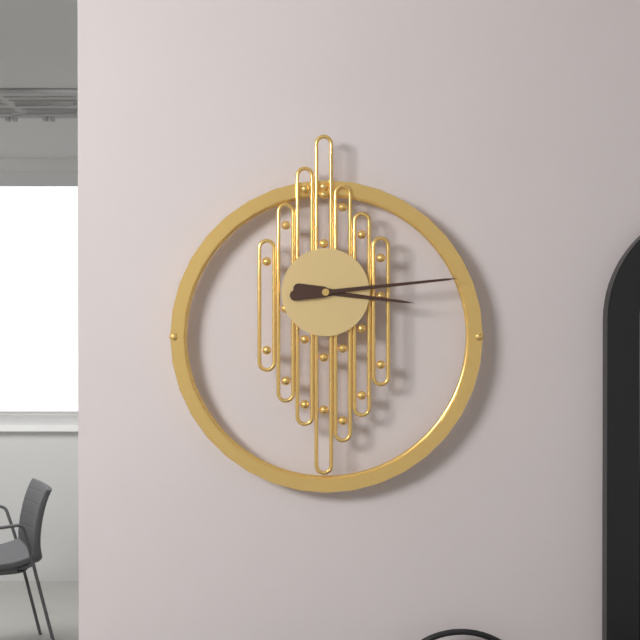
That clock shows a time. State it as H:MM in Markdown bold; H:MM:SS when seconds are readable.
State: **3:14**
